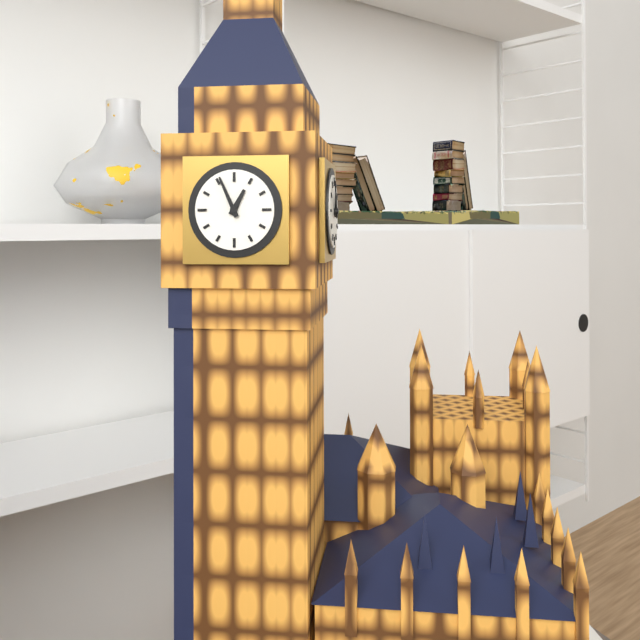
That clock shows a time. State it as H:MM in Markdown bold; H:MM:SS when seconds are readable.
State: **12:56**
